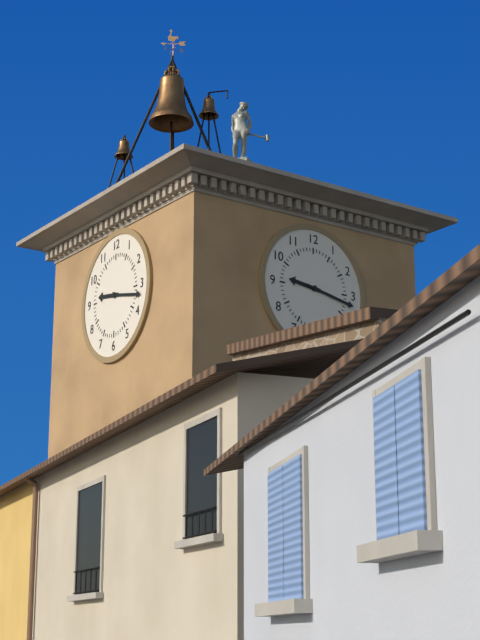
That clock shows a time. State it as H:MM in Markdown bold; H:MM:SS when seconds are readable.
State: **9:17**
